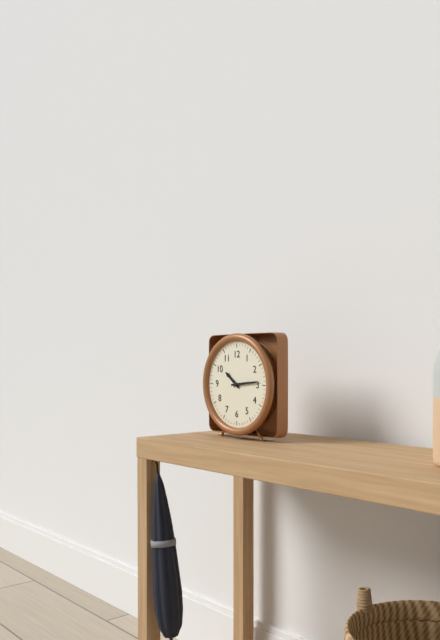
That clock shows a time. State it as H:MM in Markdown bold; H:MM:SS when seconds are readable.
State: **10:14**
